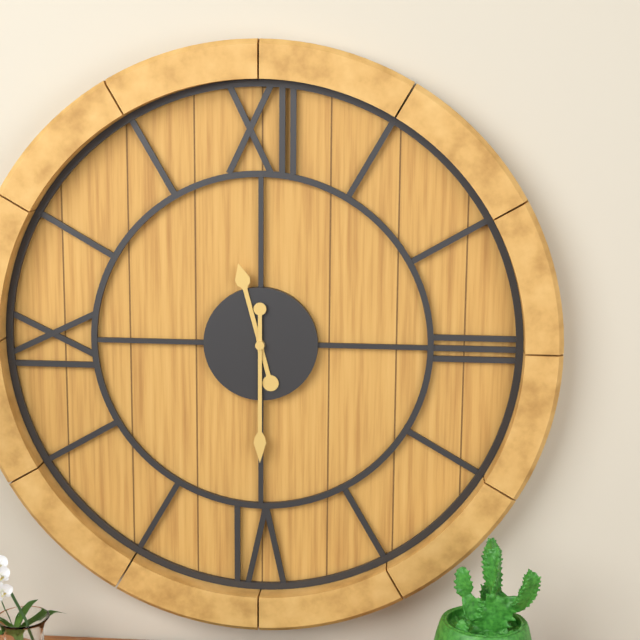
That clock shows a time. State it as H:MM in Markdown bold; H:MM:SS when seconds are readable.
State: **11:30**
